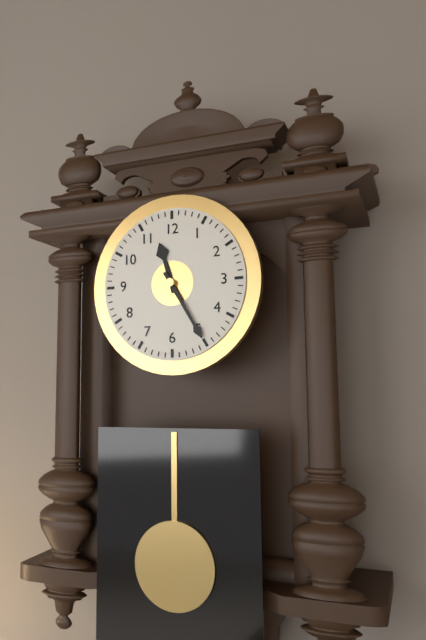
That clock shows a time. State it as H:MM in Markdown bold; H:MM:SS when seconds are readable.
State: **11:25**
